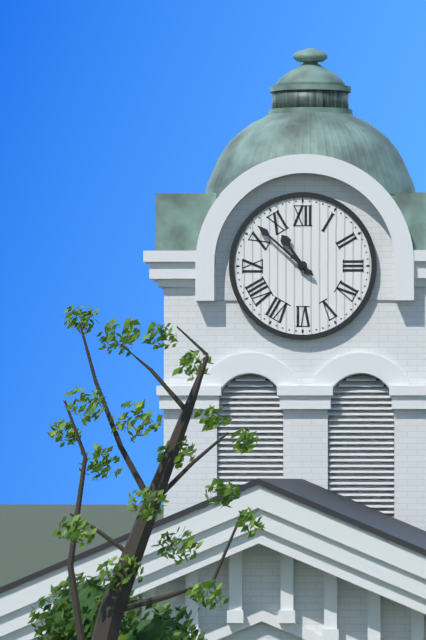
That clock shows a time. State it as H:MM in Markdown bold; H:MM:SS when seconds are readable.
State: **10:52**
